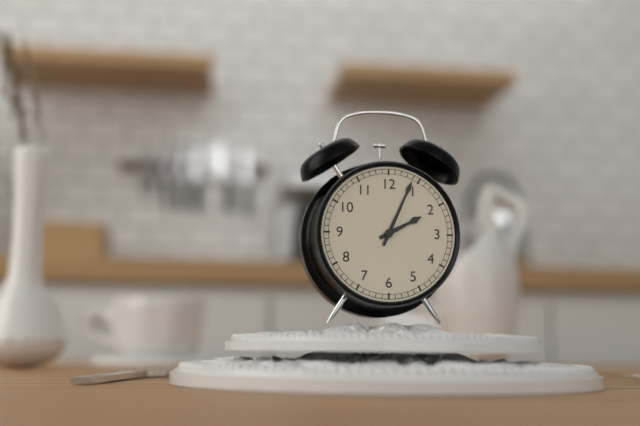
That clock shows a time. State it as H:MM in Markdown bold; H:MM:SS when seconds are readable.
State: **2:04**
